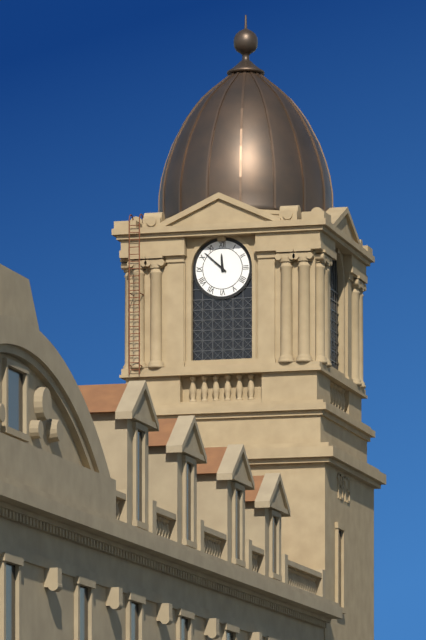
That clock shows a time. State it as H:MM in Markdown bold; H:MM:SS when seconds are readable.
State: **11:52**
